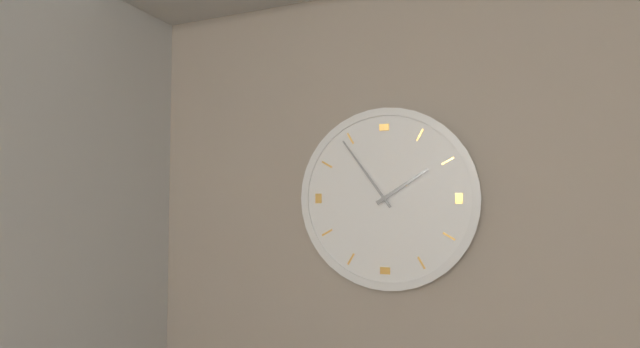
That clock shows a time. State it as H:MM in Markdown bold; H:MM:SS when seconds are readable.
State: **1:54**
